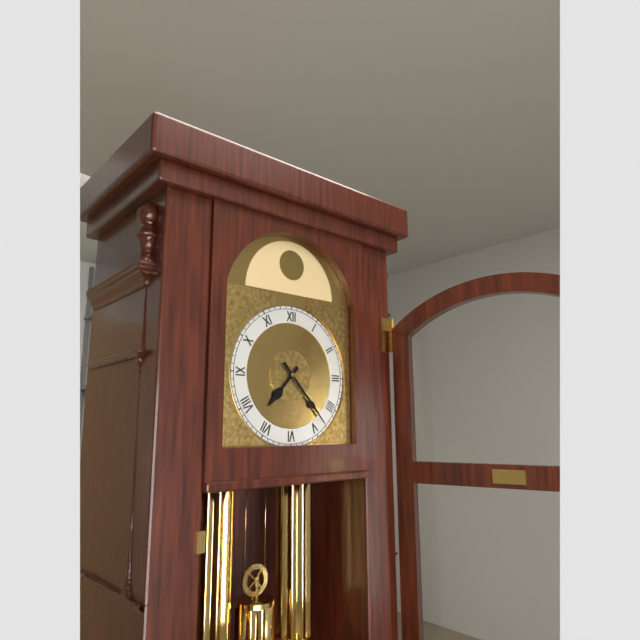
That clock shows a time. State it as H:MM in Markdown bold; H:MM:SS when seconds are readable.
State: **7:23**
